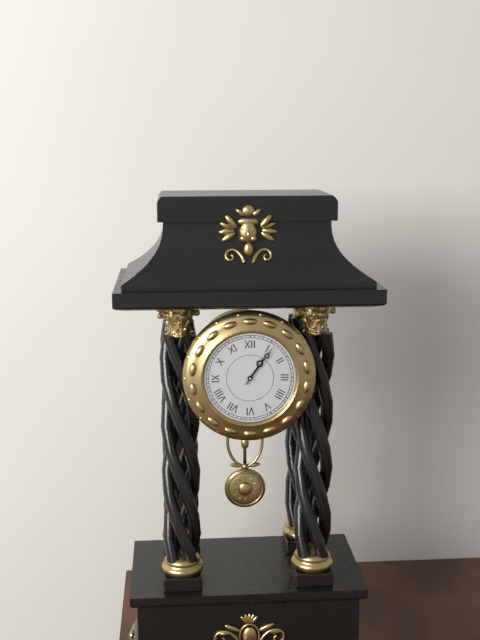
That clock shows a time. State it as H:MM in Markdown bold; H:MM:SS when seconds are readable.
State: **1:06**
